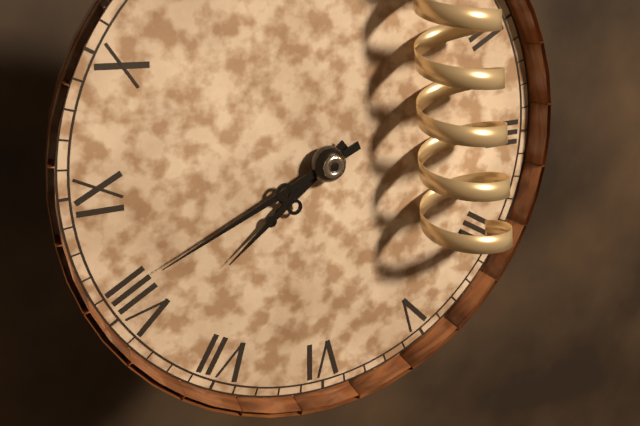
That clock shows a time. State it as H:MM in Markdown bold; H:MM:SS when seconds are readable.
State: **7:41**
